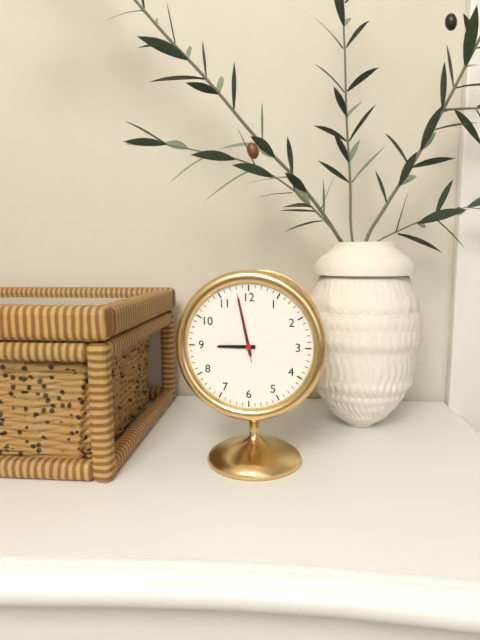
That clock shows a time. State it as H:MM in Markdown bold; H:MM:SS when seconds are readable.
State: **8:58:58**
